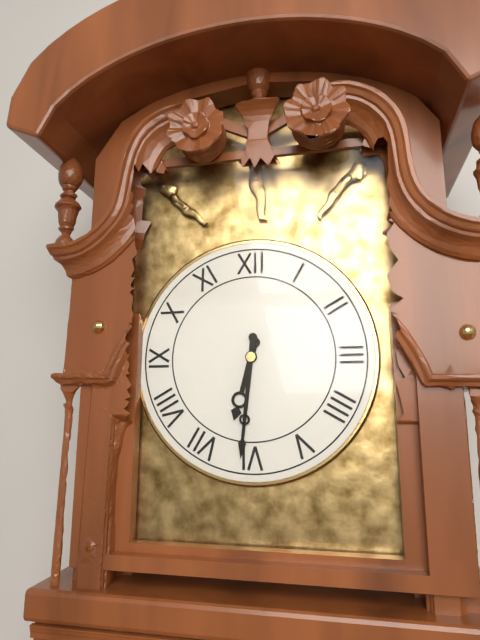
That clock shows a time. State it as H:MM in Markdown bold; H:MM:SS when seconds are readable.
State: **6:31**
